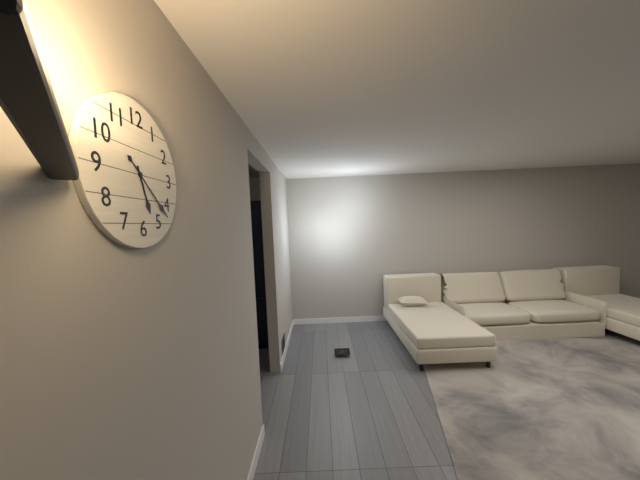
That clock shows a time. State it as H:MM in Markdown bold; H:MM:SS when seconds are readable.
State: **5:22**
